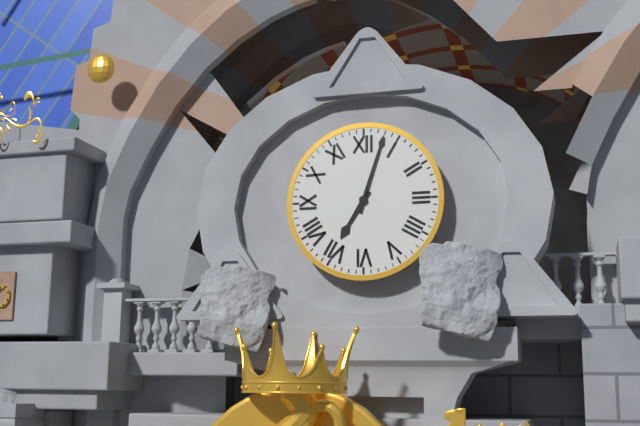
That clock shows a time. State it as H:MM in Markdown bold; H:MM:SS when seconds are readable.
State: **7:03**
